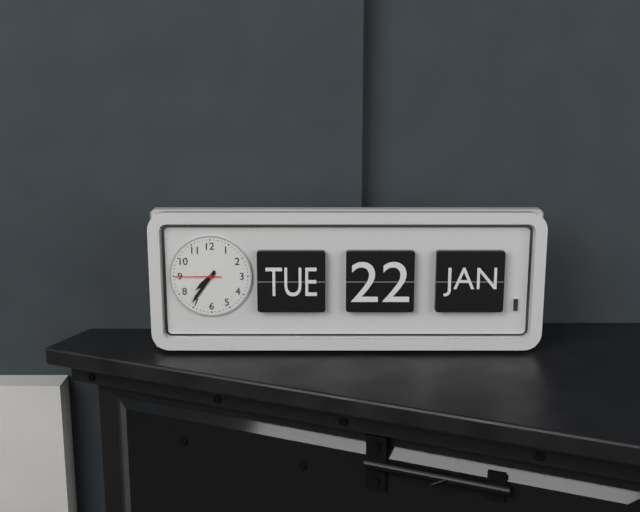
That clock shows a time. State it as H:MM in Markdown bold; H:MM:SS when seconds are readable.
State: **7:36**
